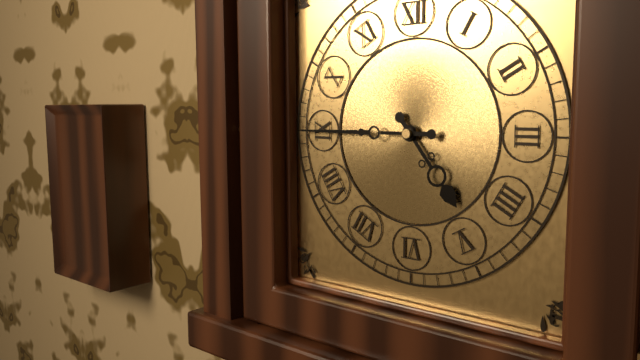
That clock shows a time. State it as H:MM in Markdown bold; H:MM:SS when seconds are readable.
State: **4:45**
